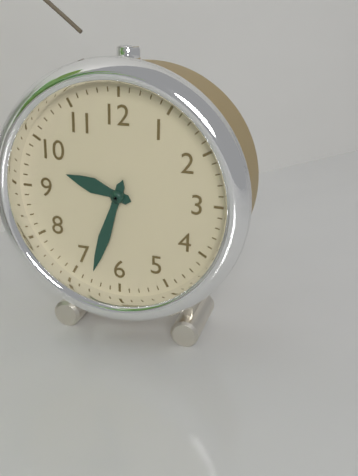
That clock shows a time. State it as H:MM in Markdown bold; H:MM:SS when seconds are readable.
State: **9:33**
